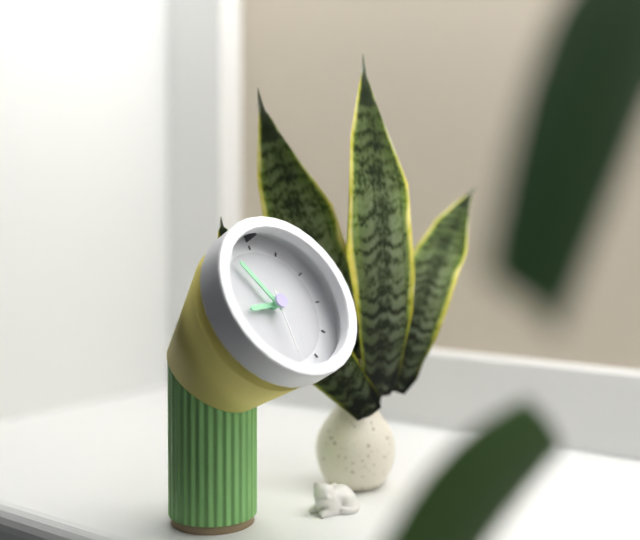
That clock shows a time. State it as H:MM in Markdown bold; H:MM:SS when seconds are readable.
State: **8:55:30**
